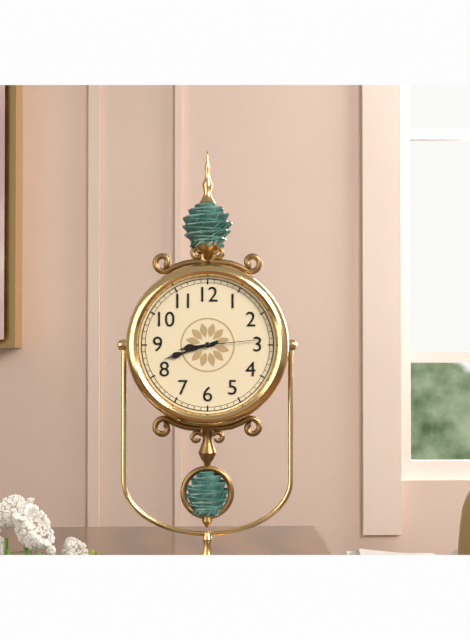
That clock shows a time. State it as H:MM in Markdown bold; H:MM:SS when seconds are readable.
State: **8:42:14**
